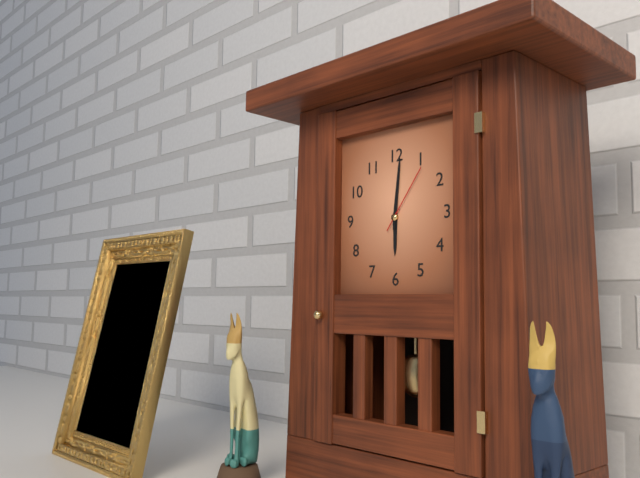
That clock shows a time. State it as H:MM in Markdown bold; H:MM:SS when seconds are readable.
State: **6:01:06**
